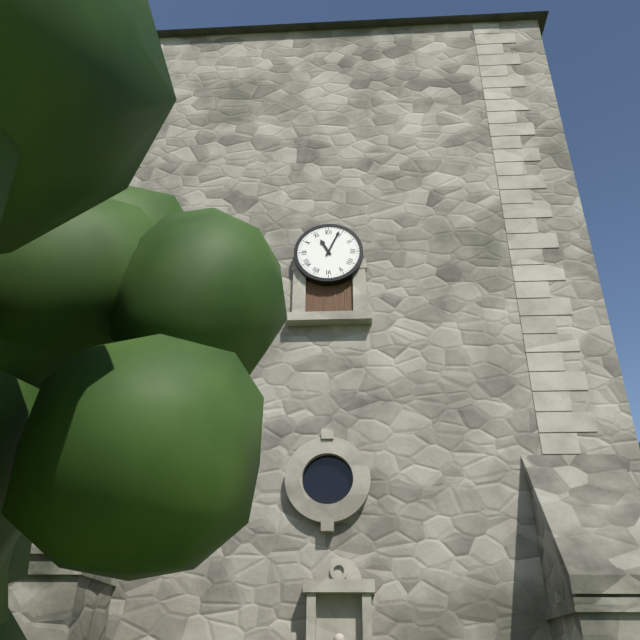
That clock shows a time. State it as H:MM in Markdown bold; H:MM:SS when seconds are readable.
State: **11:04**
